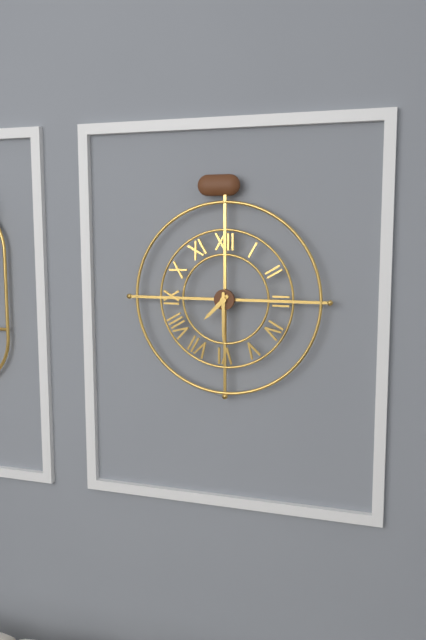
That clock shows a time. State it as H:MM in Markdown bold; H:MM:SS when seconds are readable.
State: **7:30**
